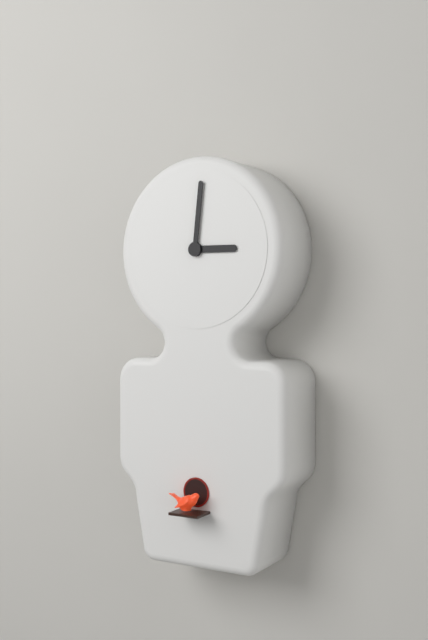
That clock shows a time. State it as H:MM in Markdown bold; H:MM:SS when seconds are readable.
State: **3:01**
